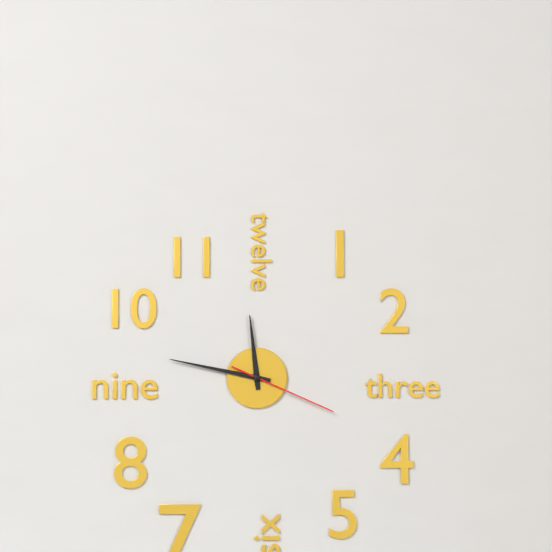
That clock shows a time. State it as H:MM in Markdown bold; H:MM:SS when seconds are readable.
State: **11:47:19**
